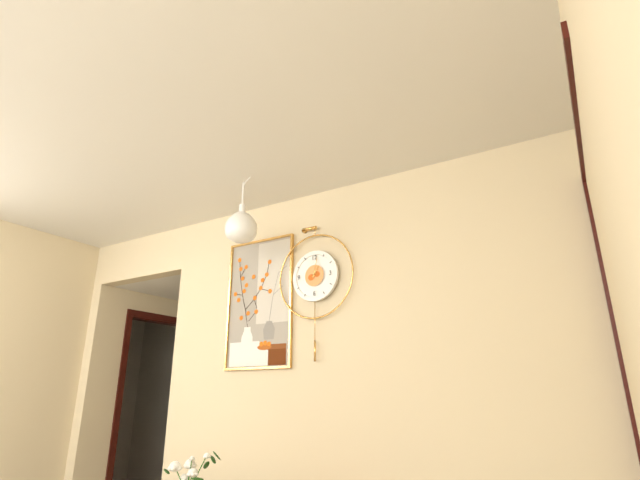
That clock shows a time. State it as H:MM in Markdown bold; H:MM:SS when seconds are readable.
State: **1:02**
